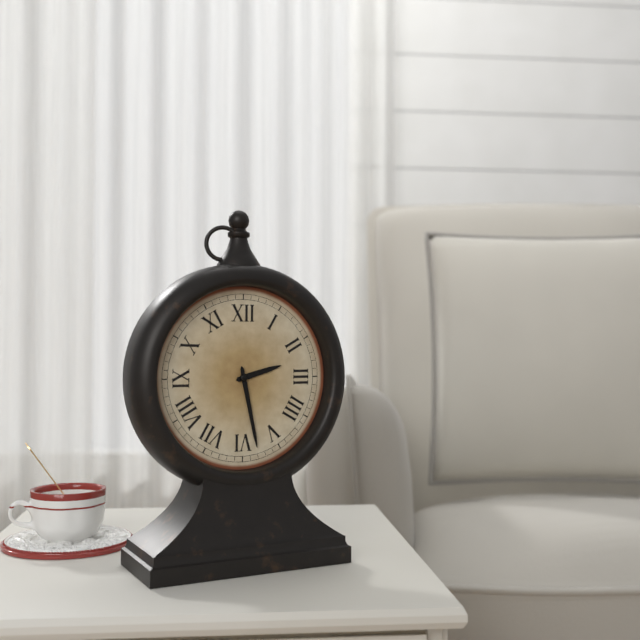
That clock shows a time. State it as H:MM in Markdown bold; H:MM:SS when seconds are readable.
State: **2:28**
